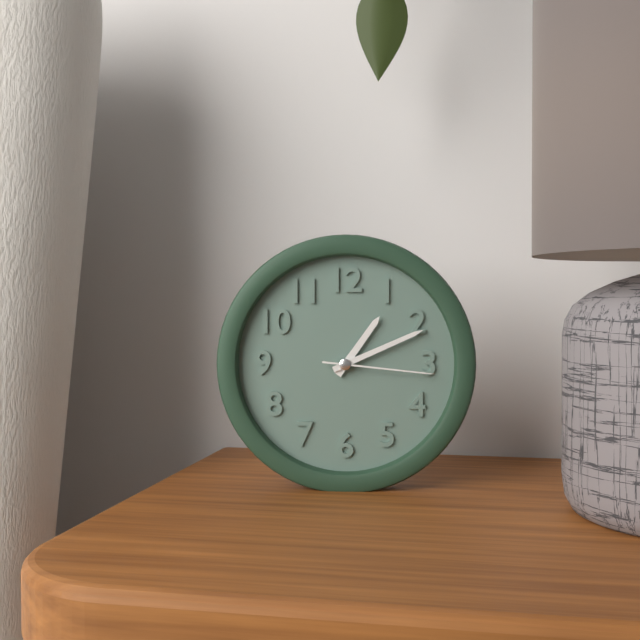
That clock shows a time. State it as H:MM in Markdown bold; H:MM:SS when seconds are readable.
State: **1:11:16**
